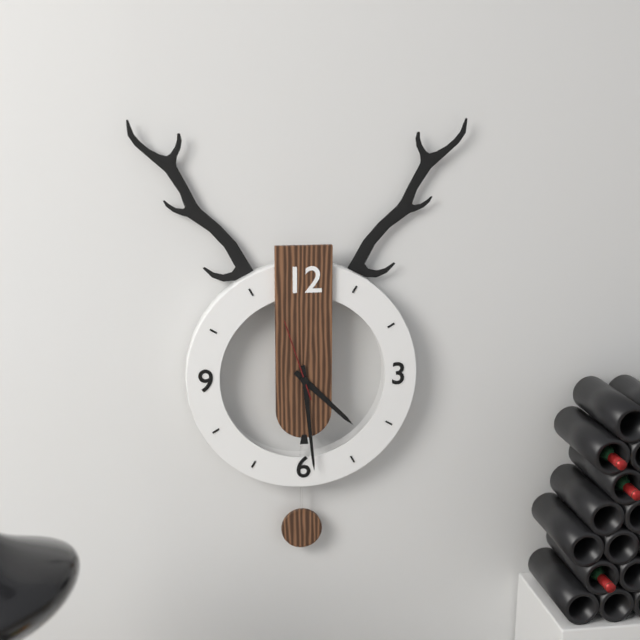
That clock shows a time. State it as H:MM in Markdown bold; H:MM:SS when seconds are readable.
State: **4:29:57**
